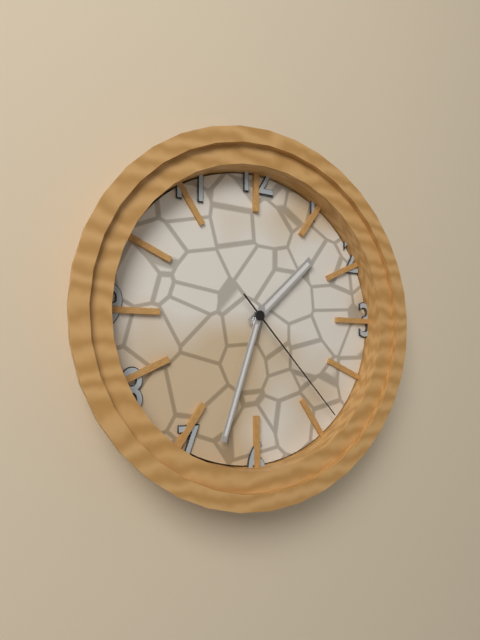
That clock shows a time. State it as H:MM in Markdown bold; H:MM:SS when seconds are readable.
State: **1:33:23**
